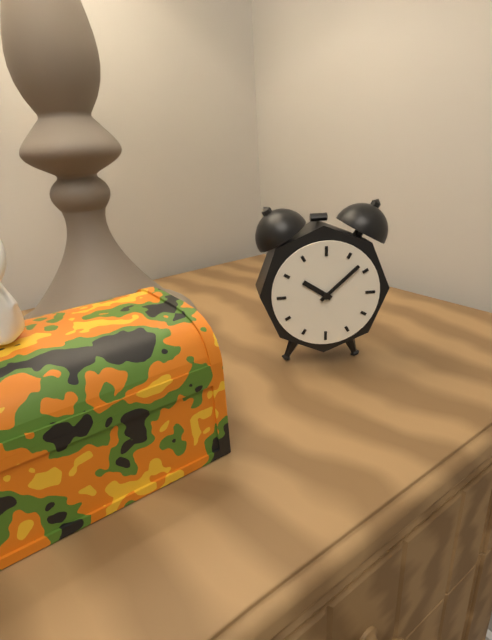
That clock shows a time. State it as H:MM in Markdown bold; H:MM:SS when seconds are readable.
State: **10:08**
